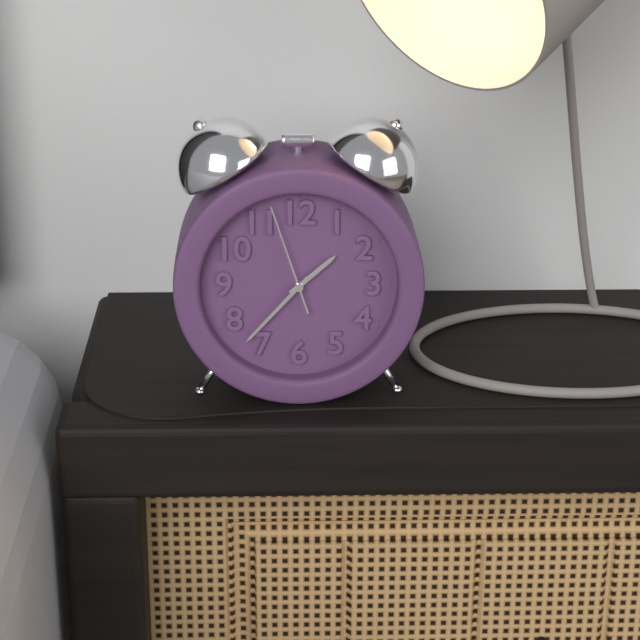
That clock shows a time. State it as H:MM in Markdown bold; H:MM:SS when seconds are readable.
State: **1:37:57**
